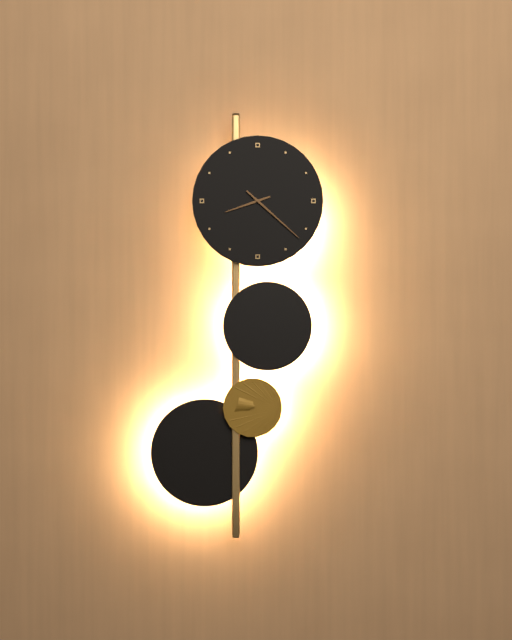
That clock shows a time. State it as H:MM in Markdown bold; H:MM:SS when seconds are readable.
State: **8:22**
